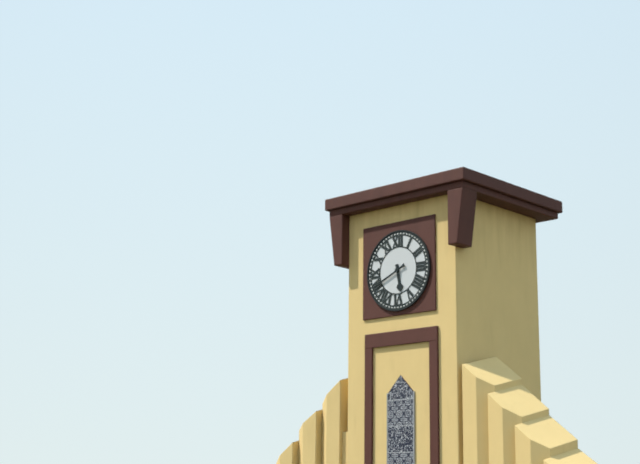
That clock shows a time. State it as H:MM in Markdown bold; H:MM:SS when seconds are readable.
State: **5:41**
